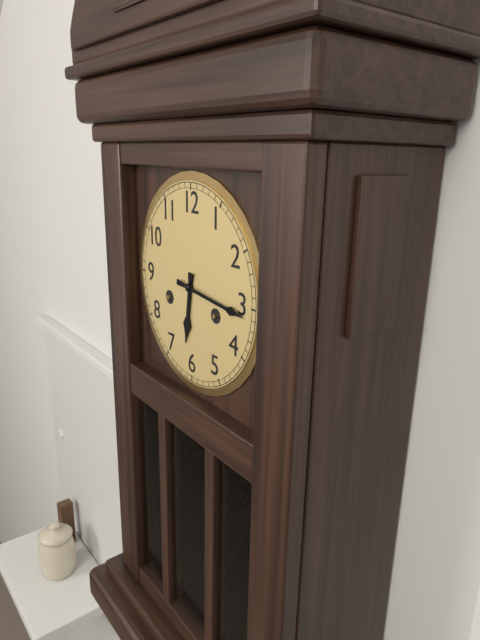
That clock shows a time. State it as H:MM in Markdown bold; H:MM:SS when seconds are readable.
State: **6:16**
